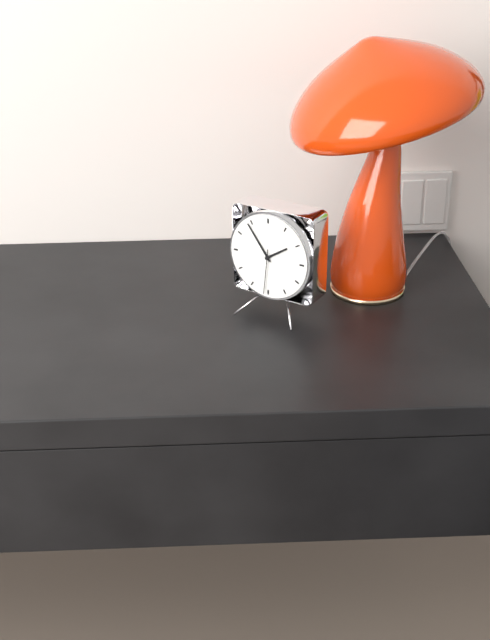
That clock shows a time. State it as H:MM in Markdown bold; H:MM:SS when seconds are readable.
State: **1:54:31**
